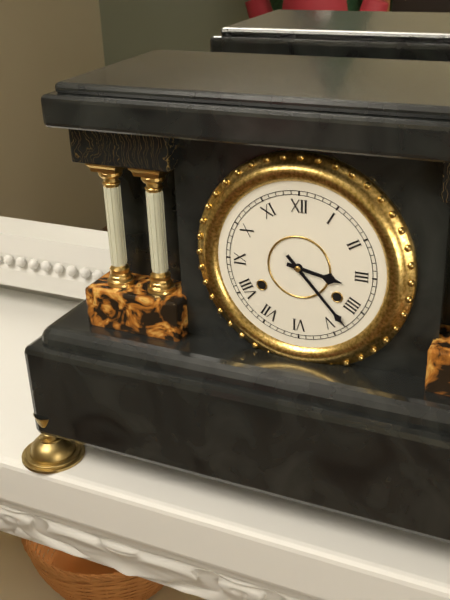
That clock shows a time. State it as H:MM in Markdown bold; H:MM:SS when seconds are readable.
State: **3:23**
